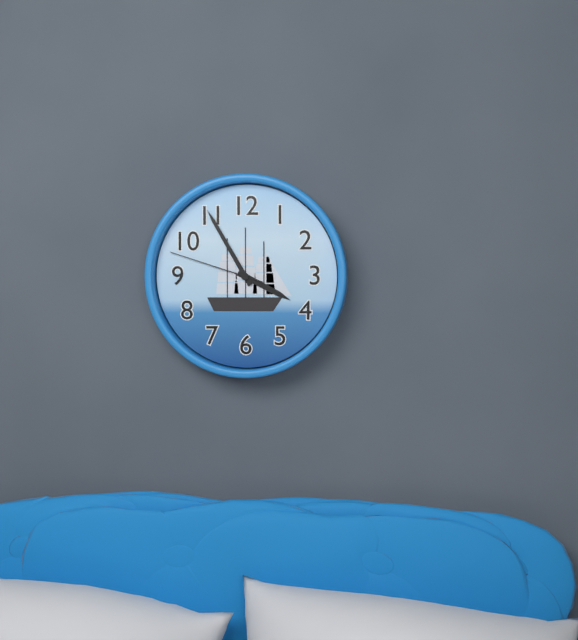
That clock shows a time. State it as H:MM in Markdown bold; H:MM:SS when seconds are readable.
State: **3:55:48**
